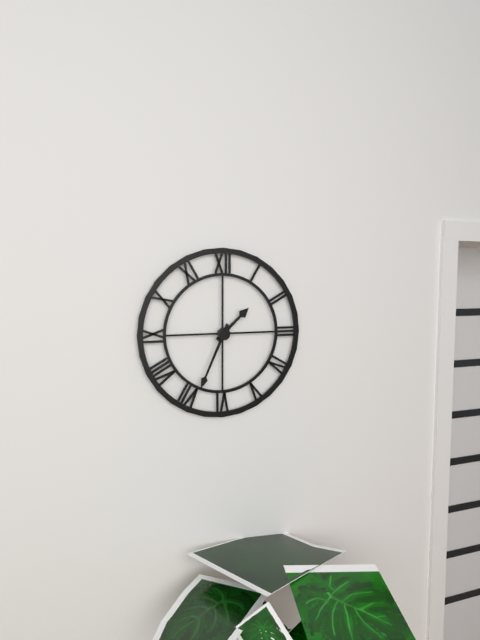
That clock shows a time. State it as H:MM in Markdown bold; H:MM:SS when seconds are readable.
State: **1:34**
